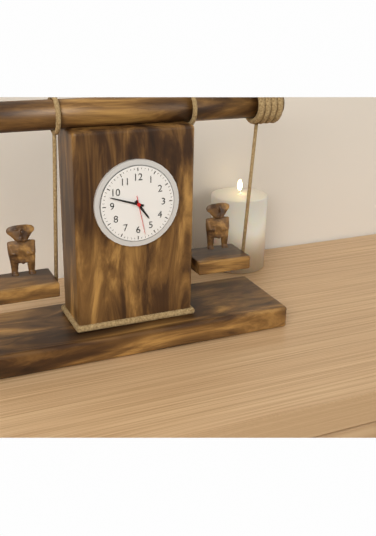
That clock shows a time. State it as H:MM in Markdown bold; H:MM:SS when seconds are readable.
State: **4:48**
